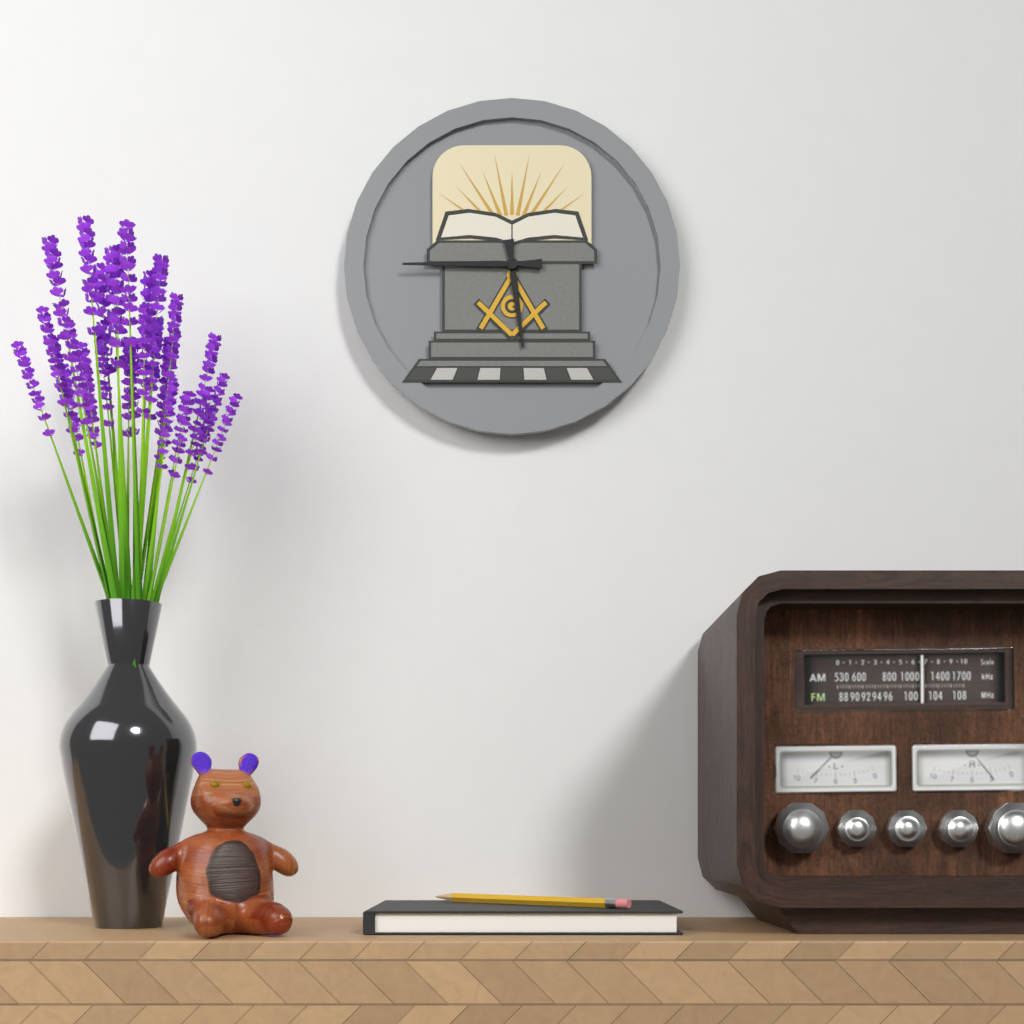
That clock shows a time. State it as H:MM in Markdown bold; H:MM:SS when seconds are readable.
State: **5:45**
